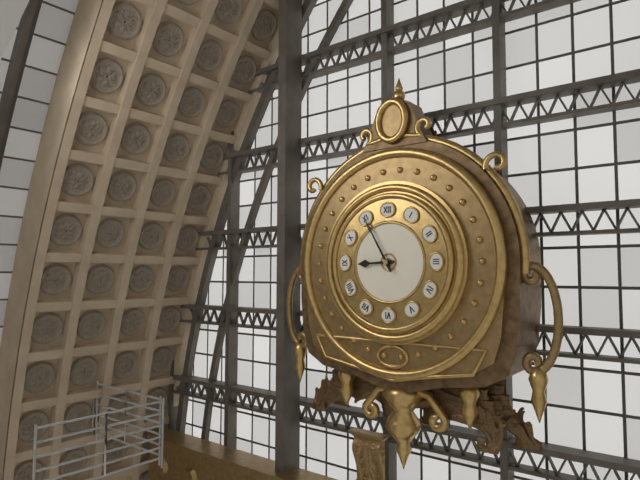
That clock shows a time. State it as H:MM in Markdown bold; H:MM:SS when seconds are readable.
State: **8:55**
